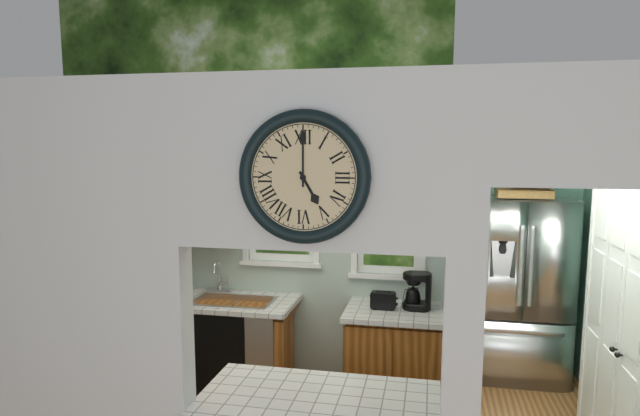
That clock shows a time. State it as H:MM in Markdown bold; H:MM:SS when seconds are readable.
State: **5:00**
